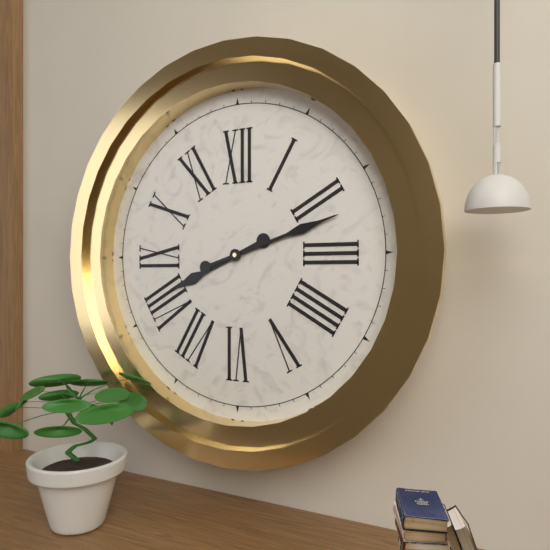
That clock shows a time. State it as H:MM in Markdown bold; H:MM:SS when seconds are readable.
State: **8:12**
